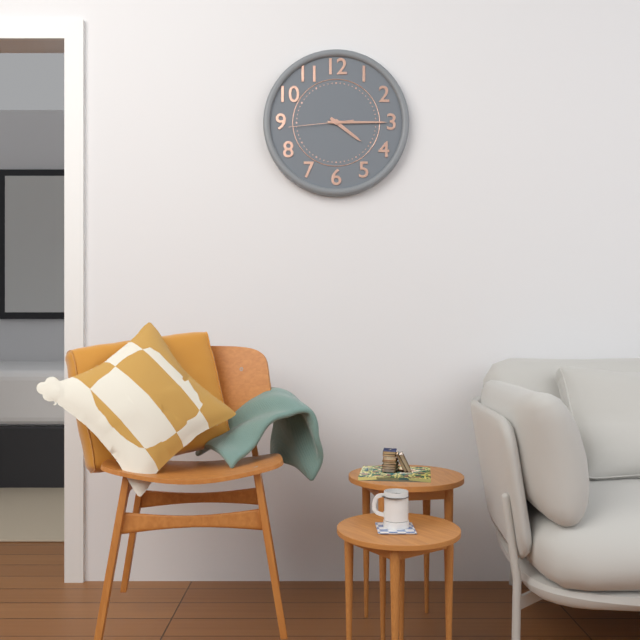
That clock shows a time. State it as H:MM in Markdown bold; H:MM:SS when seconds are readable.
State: **4:15:44**
